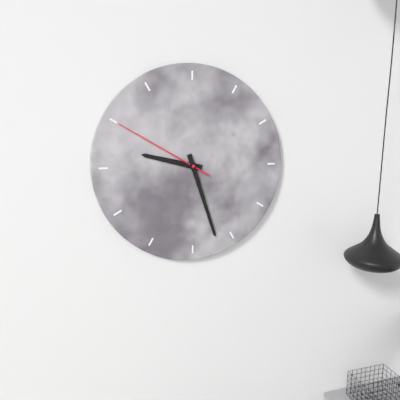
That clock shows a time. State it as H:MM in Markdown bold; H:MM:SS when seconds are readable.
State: **9:27:50**
